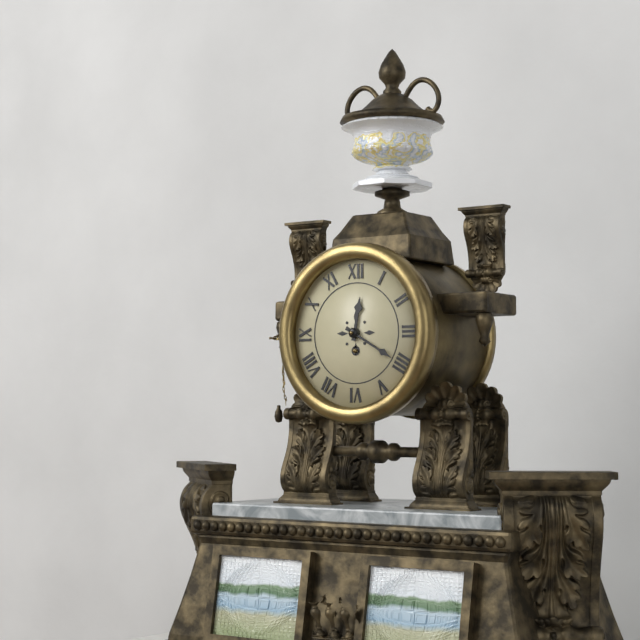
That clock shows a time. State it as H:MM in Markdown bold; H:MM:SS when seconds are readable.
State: **12:20**
